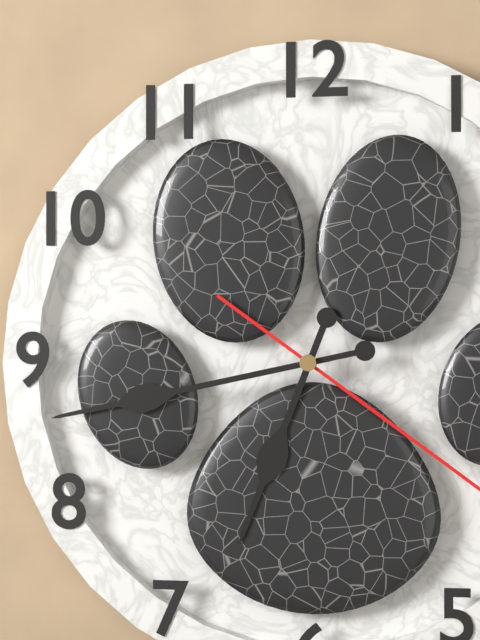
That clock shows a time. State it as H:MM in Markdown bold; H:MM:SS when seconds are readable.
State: **6:43**
